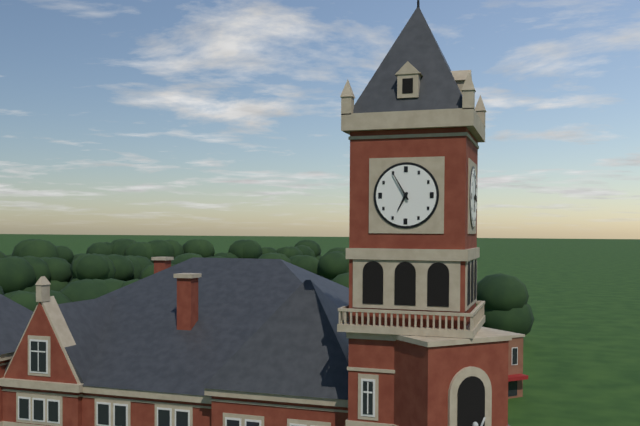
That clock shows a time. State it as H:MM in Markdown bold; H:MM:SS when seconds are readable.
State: **6:55**
